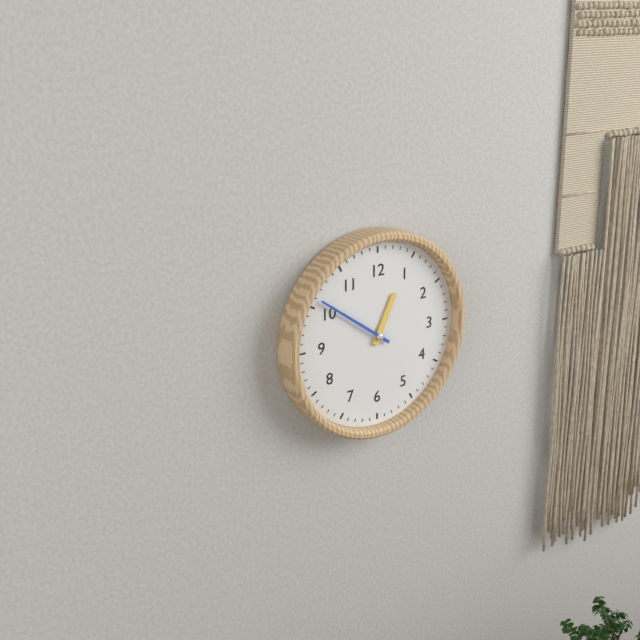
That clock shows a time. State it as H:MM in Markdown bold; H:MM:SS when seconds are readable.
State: **12:51**
